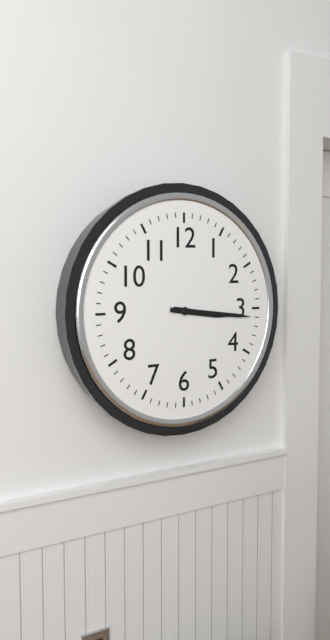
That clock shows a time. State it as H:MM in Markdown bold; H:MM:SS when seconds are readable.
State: **3:16**
